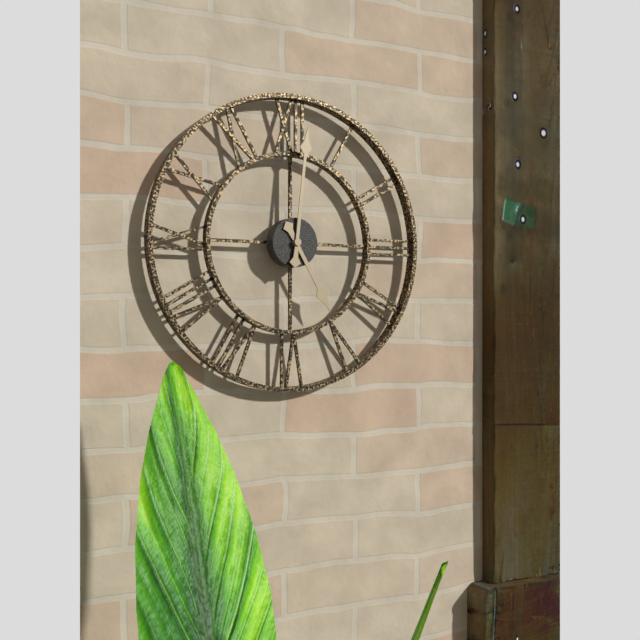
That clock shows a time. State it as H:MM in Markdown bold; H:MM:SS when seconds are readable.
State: **5:01**
